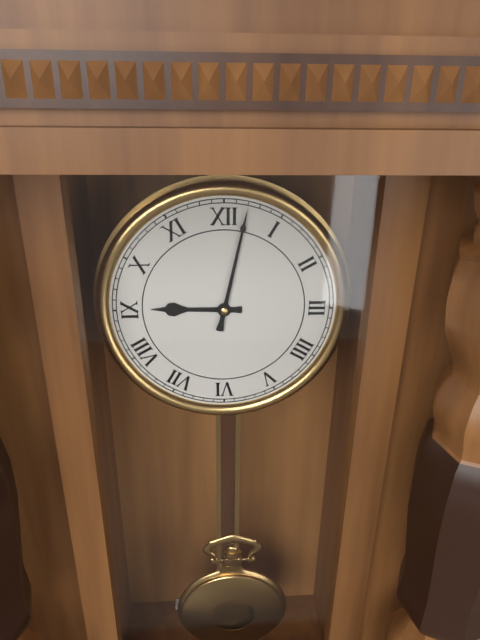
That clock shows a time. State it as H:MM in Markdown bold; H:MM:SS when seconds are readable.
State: **9:02**
